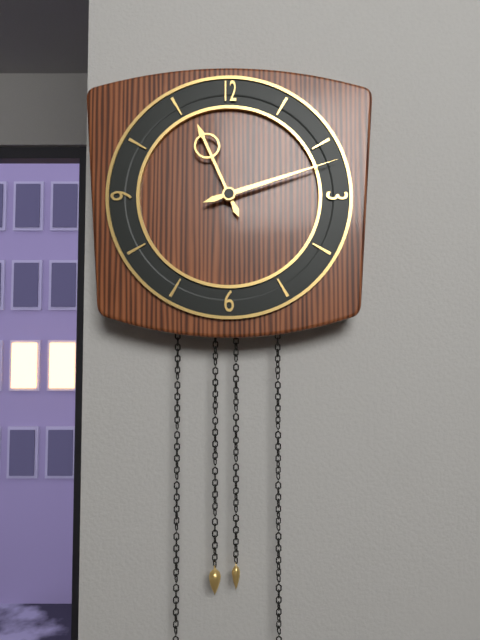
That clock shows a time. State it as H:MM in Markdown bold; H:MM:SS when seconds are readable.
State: **11:12**
